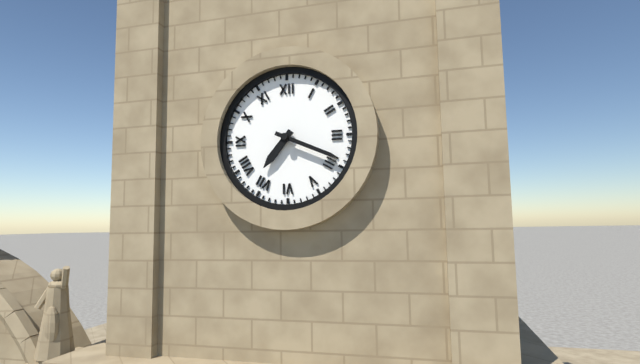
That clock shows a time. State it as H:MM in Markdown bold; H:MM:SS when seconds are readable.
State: **7:19**
